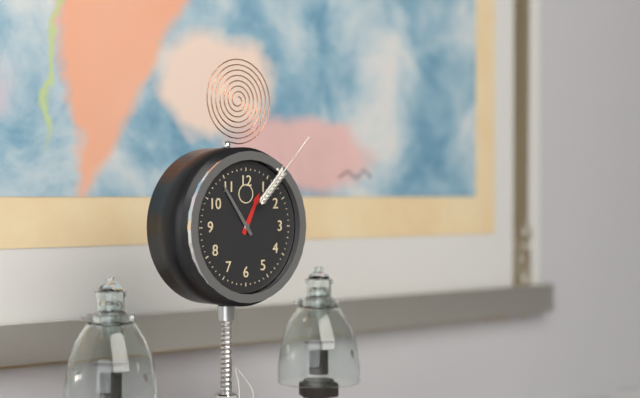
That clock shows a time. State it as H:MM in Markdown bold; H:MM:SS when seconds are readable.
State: **12:54**
